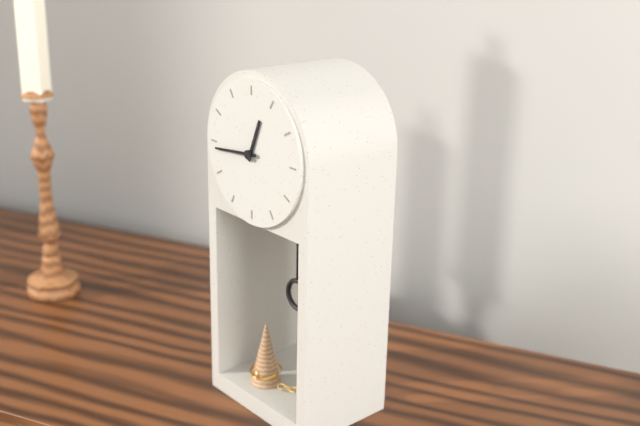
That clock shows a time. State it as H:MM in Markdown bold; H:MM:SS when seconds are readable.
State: **12:44**
